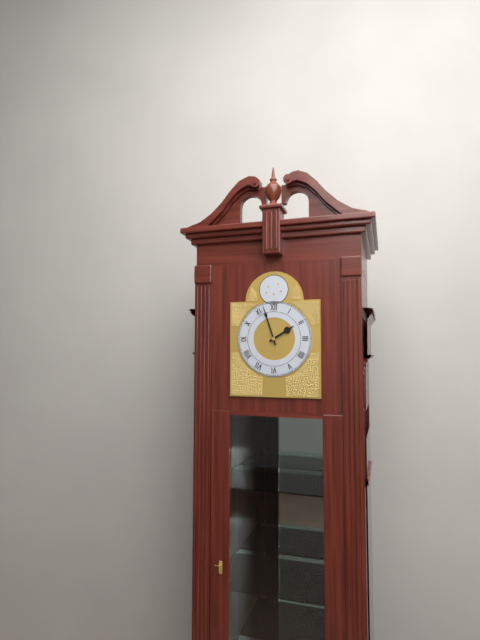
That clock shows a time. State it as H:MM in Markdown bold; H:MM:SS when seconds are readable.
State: **1:57**
